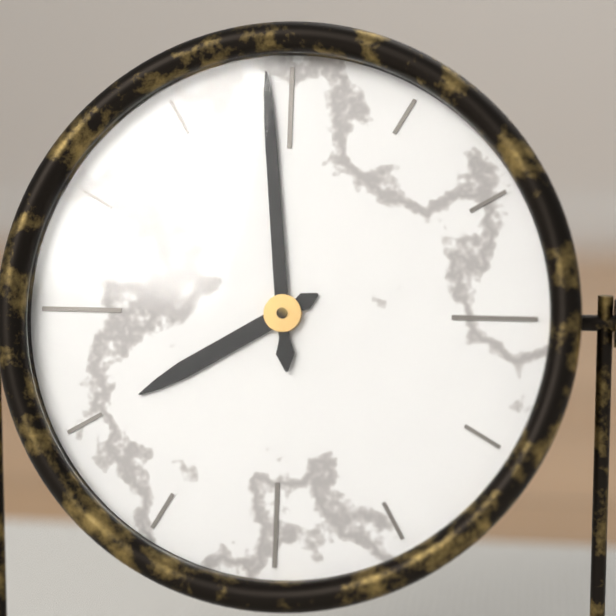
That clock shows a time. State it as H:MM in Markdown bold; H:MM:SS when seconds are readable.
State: **7:59**
